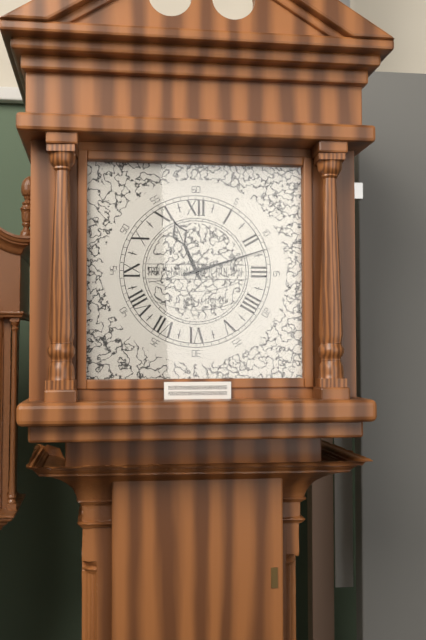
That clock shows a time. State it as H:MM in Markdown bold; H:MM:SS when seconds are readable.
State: **11:12**
